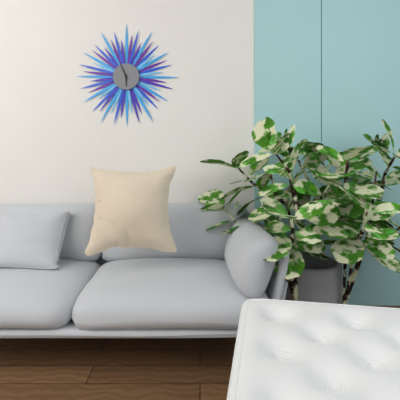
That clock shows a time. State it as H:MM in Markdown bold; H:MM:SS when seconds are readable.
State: **5:56**
